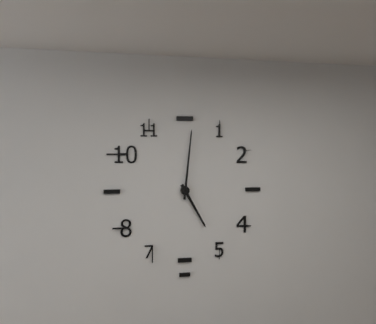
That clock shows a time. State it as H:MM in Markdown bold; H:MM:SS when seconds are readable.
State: **5:01**
